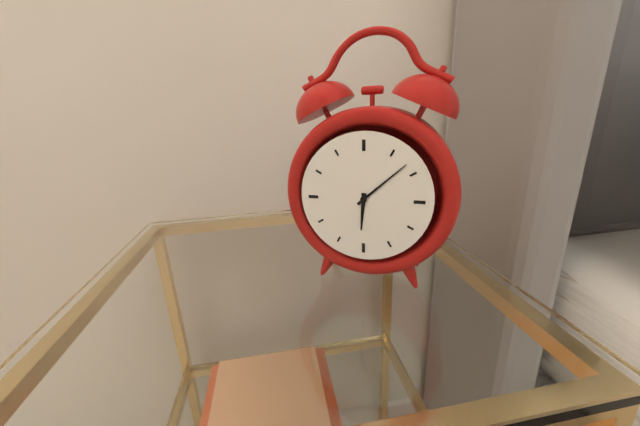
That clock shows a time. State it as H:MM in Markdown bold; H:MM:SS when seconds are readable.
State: **6:08**
